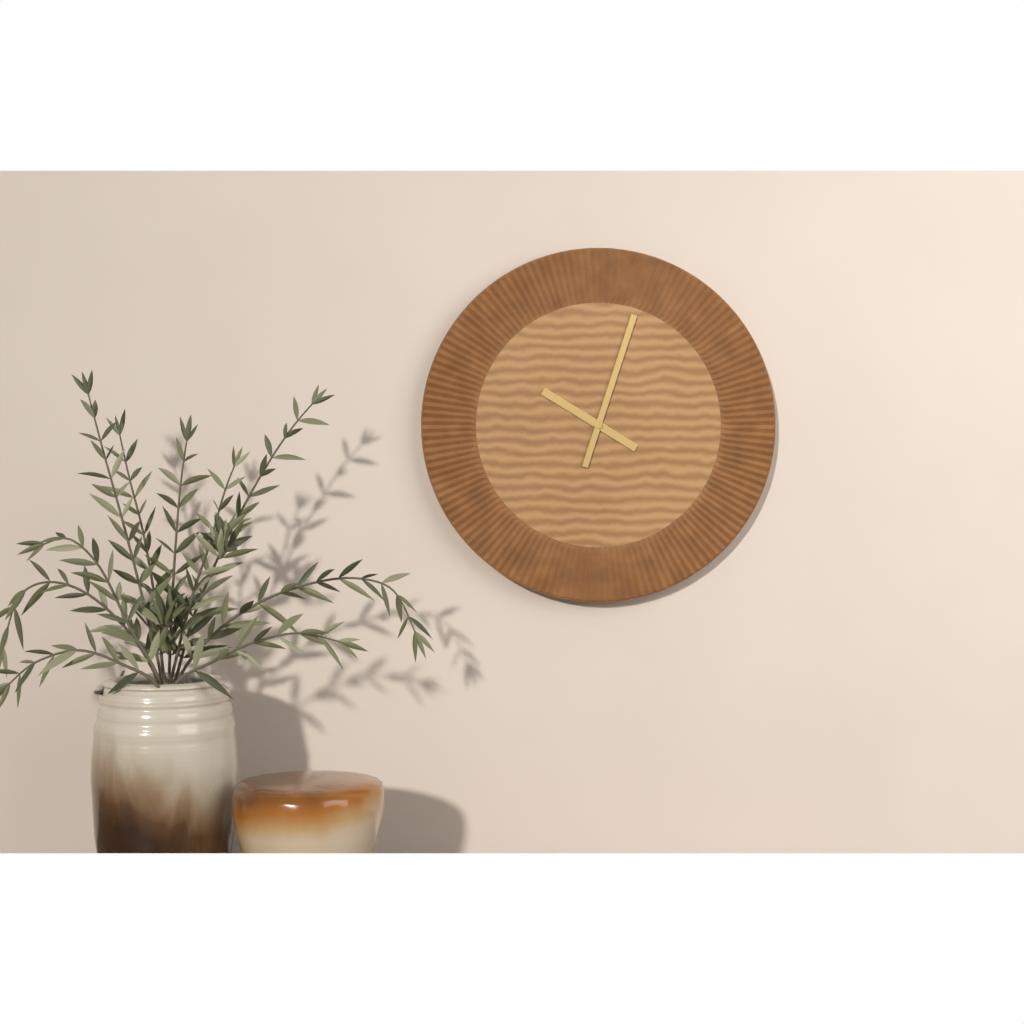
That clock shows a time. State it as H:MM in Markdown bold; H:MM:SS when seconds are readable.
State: **10:03**
